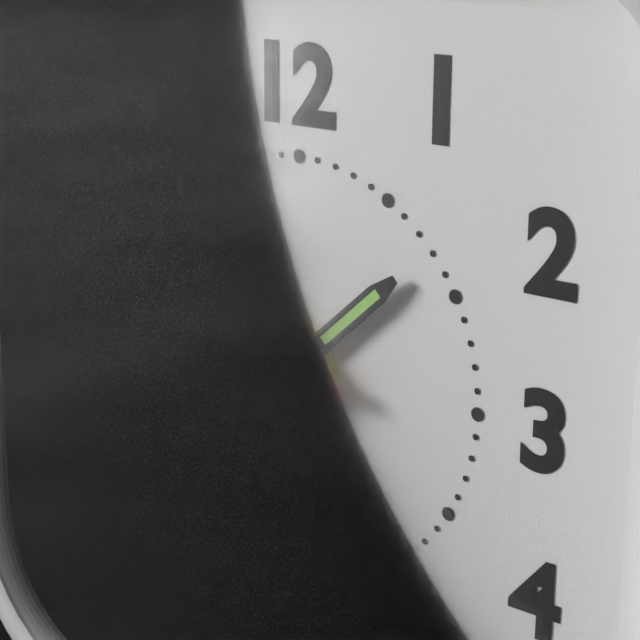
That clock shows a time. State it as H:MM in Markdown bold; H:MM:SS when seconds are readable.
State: **1:35:46**
